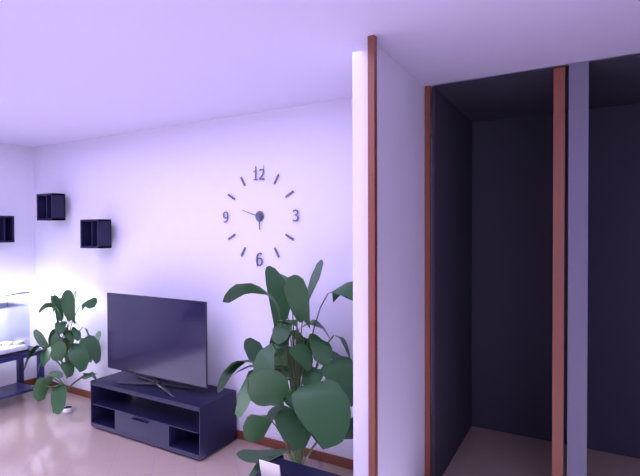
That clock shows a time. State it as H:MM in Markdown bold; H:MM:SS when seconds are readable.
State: **5:48**
